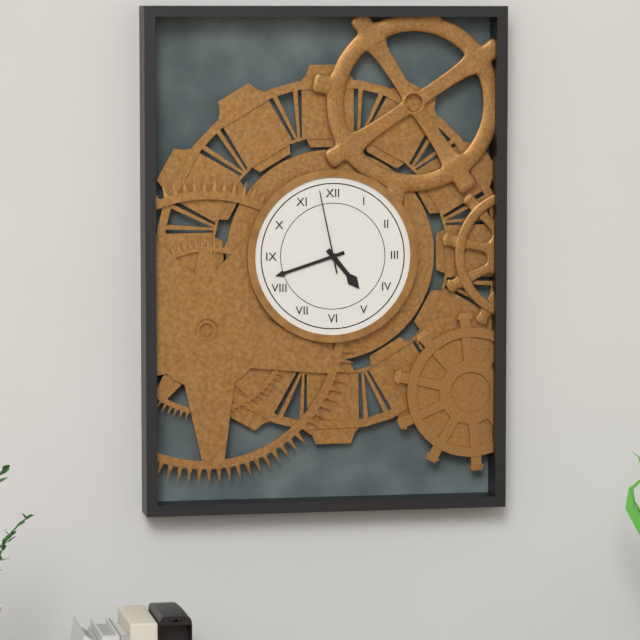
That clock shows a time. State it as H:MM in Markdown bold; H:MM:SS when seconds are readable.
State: **4:42:58**
